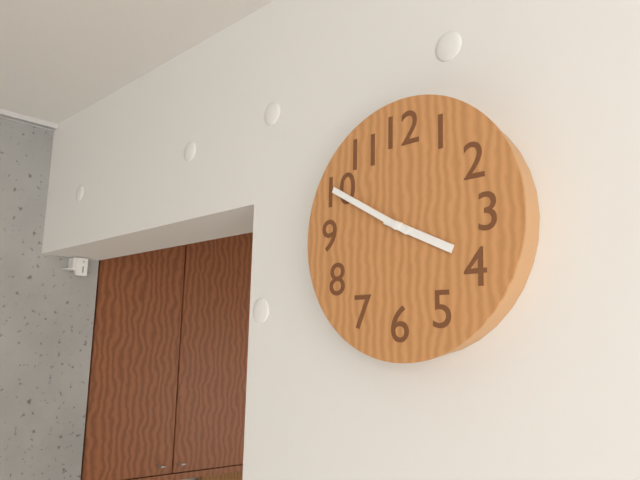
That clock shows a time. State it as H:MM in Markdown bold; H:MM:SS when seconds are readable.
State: **3:50**
